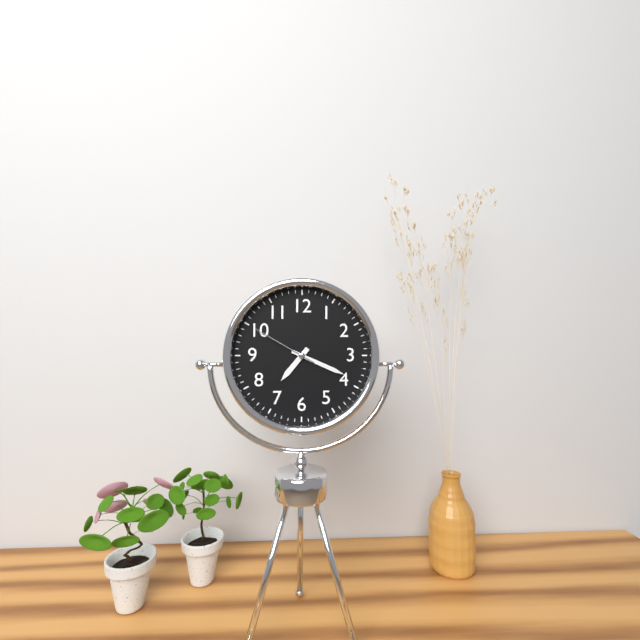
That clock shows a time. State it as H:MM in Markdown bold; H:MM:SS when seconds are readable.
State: **7:19:50**
